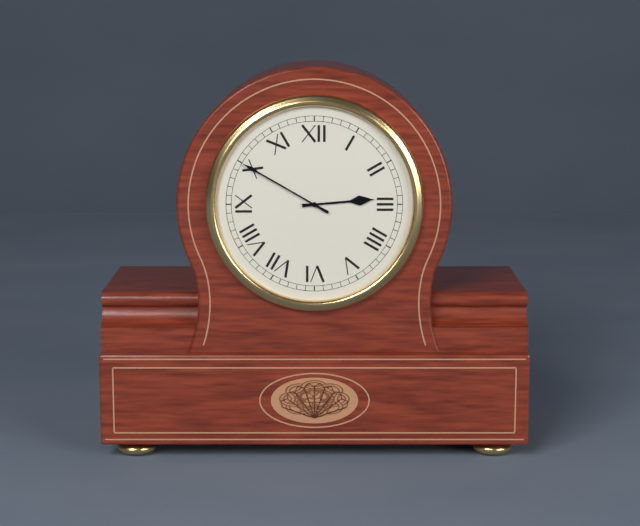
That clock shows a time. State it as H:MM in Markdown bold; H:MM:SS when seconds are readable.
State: **2:50**
